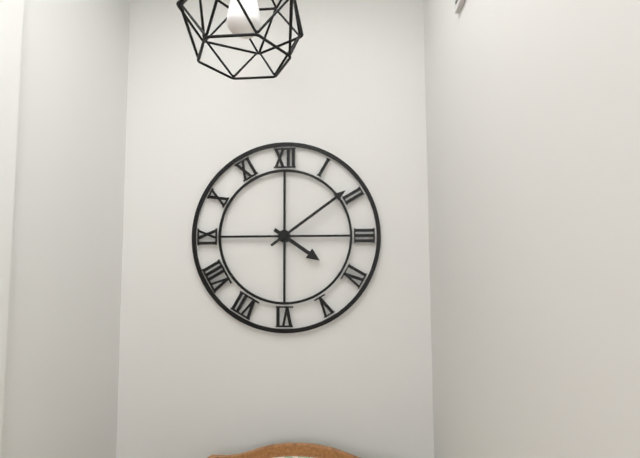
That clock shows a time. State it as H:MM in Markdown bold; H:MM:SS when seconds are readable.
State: **4:09**
